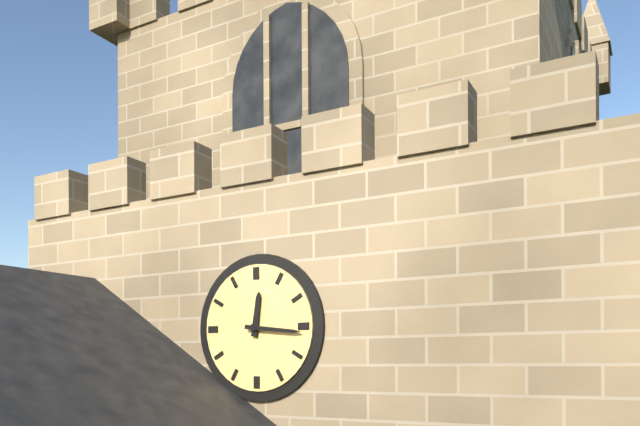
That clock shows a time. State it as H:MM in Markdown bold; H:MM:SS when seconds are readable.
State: **12:16**
